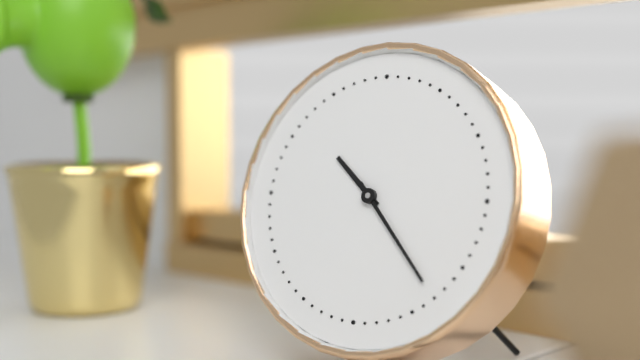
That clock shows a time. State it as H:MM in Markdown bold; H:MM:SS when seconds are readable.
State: **10:23**
